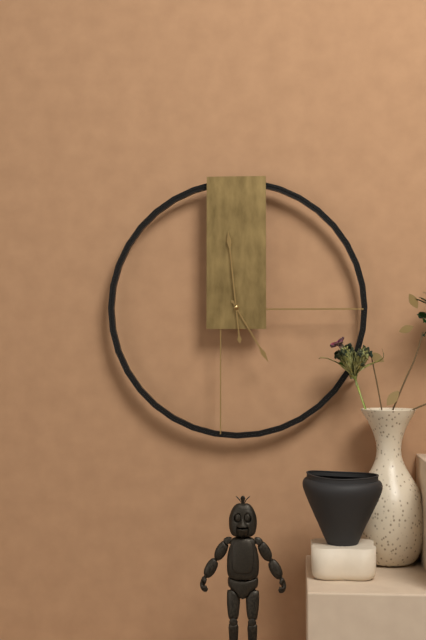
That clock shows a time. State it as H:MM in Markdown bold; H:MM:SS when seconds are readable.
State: **4:59**
